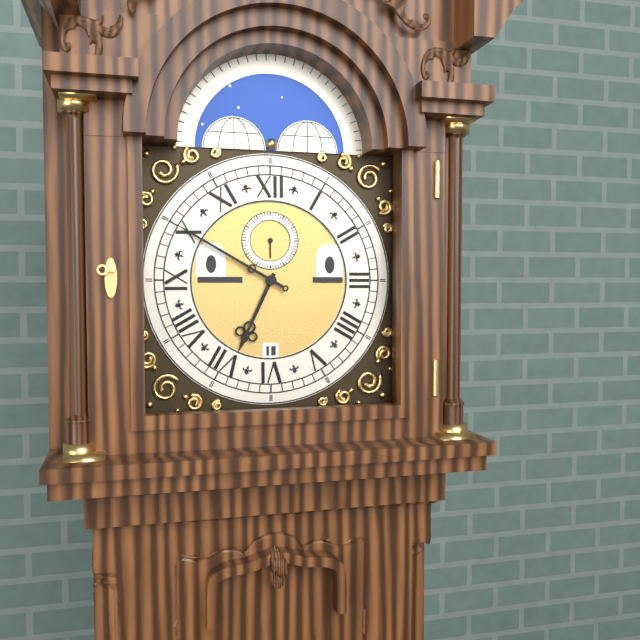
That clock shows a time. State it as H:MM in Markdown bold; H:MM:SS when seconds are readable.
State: **6:50**
